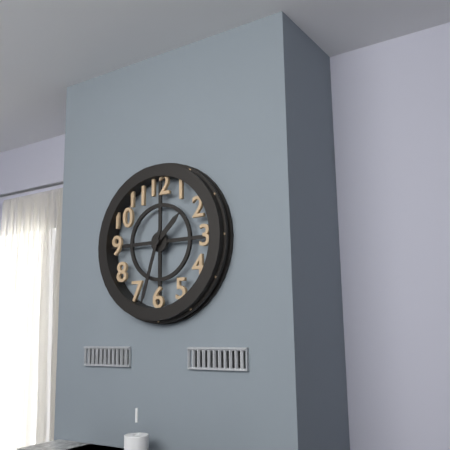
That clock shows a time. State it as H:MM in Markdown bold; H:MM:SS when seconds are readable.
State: **1:33**
